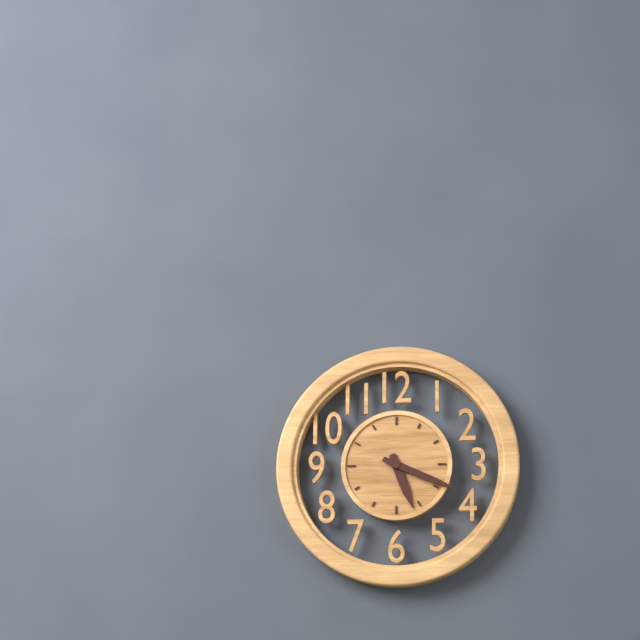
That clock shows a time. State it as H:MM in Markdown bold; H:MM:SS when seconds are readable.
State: **5:19**
